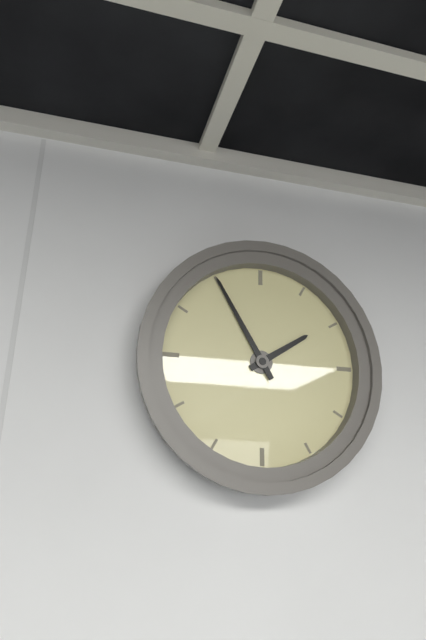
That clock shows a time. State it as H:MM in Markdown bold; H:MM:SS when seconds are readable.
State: **1:55**
